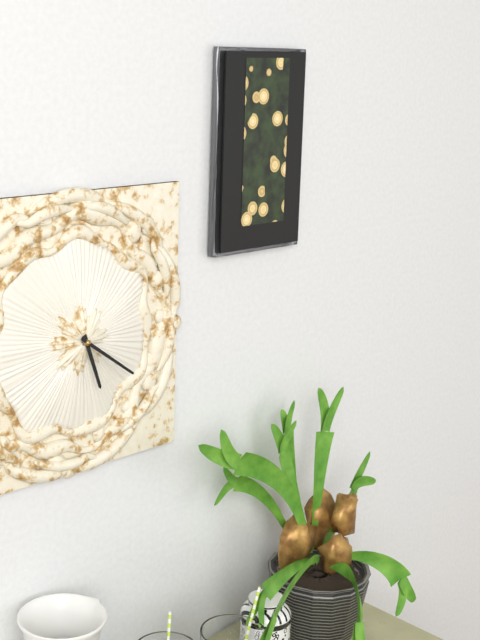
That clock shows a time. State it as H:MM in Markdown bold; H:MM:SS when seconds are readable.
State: **5:21**
